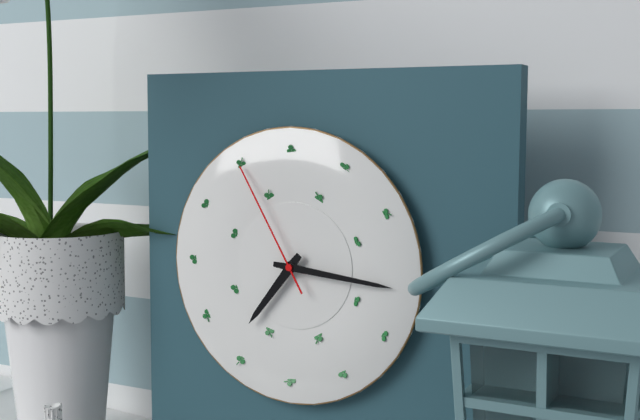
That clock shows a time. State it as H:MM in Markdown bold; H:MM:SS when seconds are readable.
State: **7:16:55**
